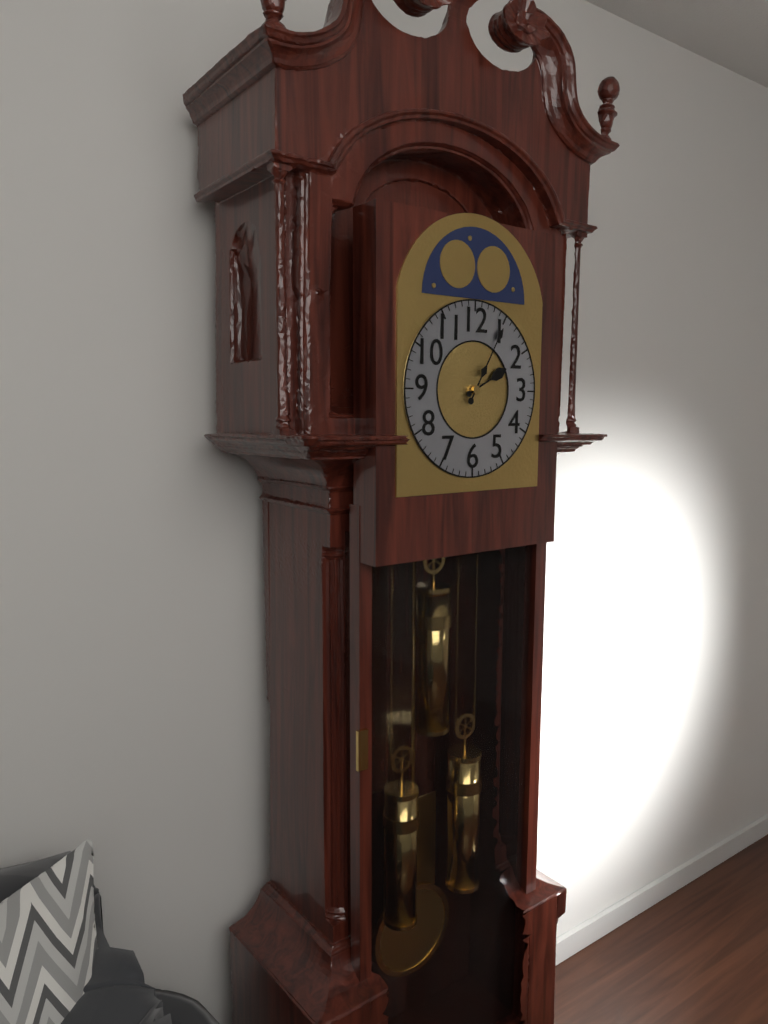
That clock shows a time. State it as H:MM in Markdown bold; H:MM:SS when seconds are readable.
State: **2:05**
